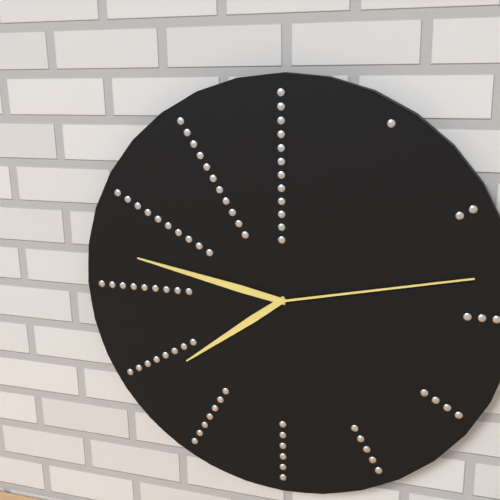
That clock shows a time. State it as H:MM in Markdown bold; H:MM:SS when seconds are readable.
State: **7:47:13**
